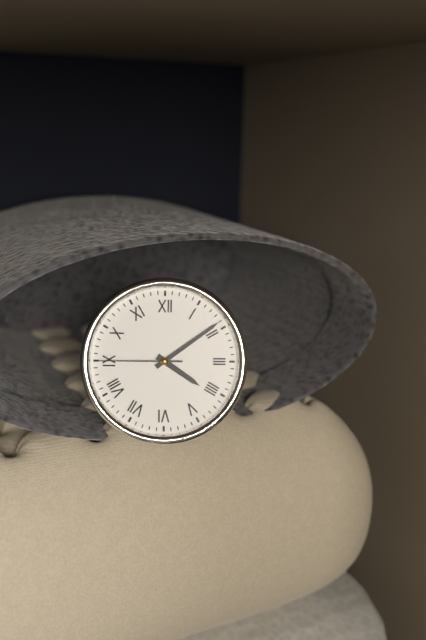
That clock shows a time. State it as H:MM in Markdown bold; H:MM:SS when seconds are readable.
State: **4:09:45**
